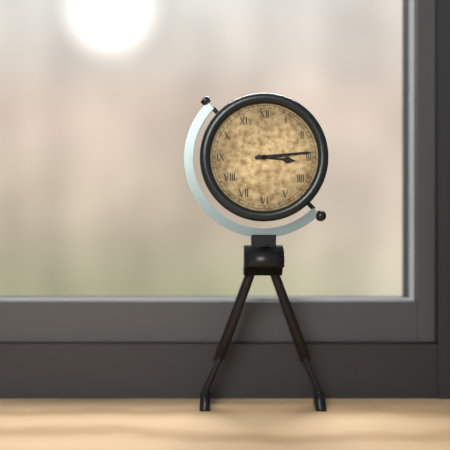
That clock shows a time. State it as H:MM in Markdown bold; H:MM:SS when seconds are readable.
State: **3:14**
